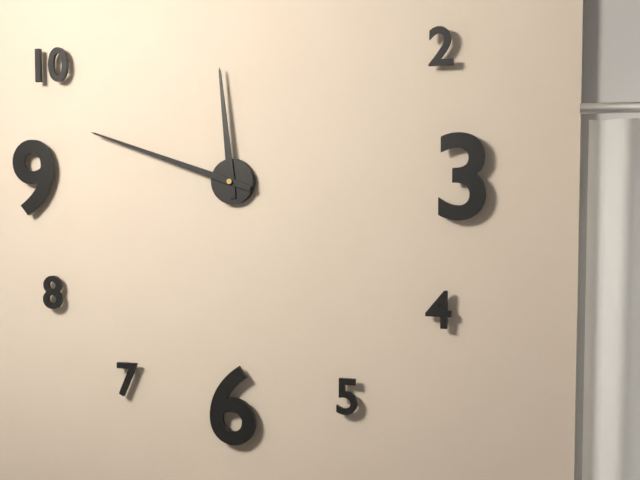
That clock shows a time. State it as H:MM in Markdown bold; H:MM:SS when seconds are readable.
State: **11:48**
